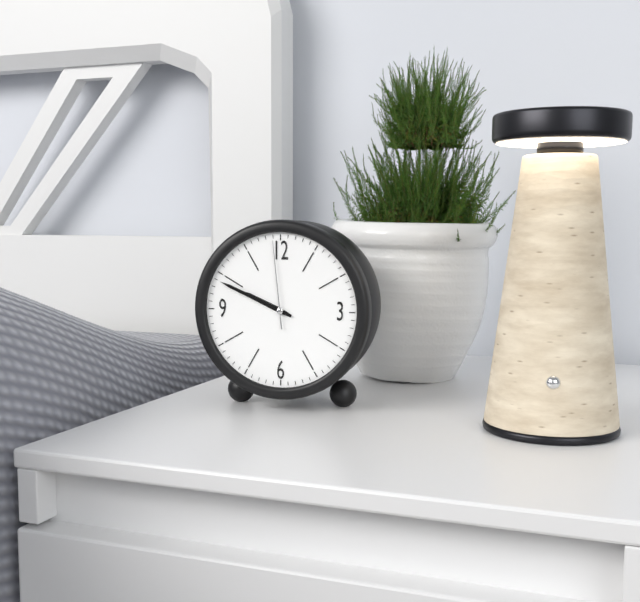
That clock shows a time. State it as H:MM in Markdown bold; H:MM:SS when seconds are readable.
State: **9:49:59**
